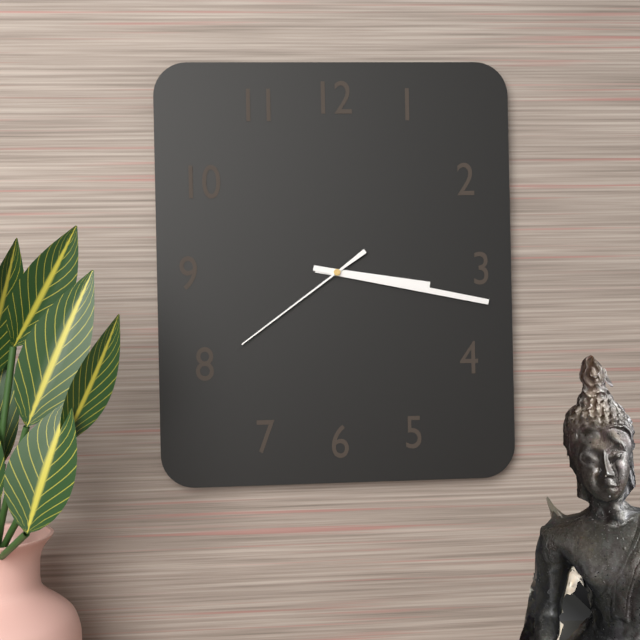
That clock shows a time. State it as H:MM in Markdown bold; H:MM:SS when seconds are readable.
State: **3:17:39**
